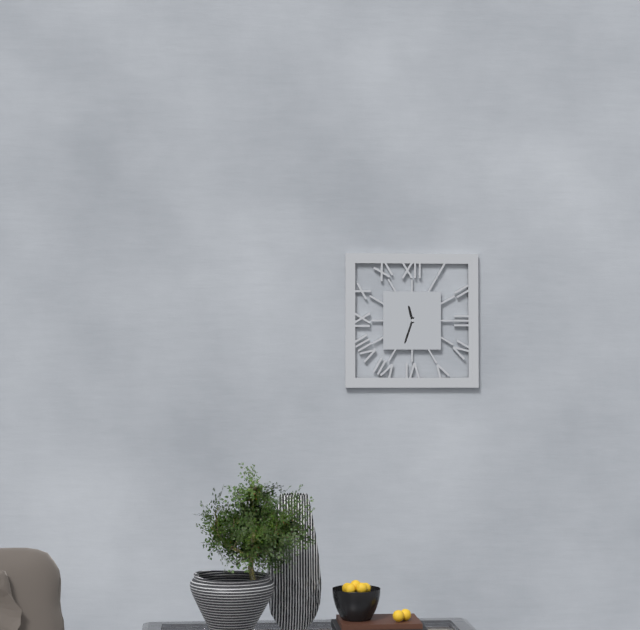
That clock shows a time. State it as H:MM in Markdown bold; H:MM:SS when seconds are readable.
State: **11:33**
